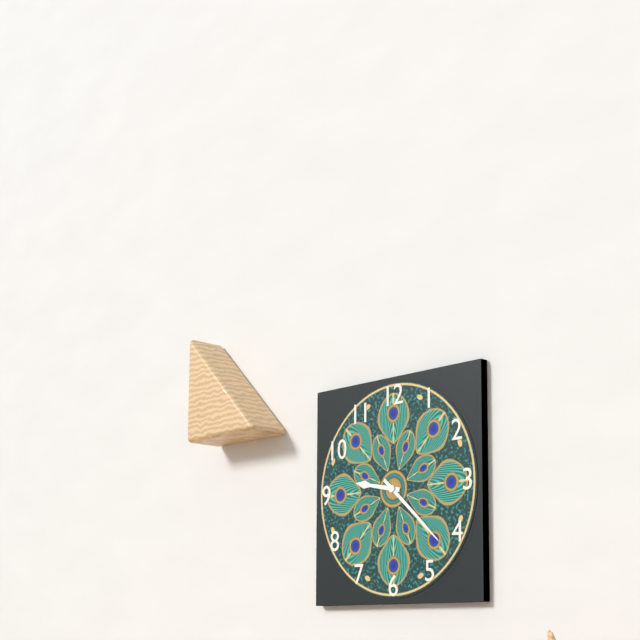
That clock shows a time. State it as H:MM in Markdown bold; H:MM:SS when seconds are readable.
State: **9:22**
